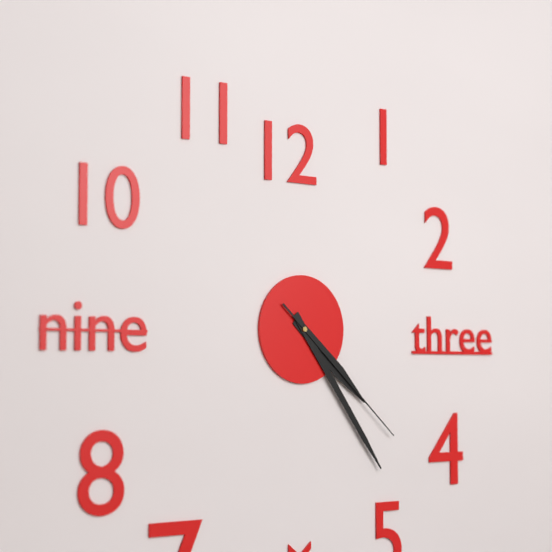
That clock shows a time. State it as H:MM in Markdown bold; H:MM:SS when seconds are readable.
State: **4:24:22**
